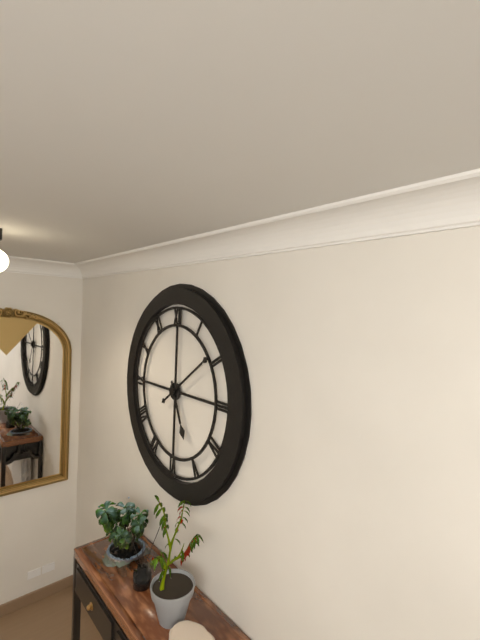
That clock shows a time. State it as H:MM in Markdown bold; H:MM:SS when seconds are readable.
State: **5:09**
